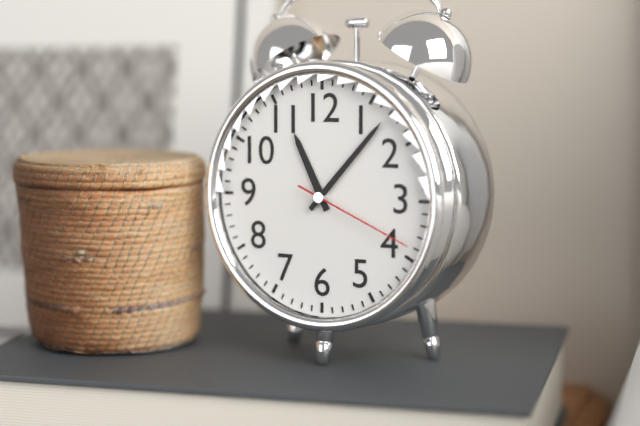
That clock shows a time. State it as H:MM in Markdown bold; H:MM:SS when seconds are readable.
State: **11:07:19**
